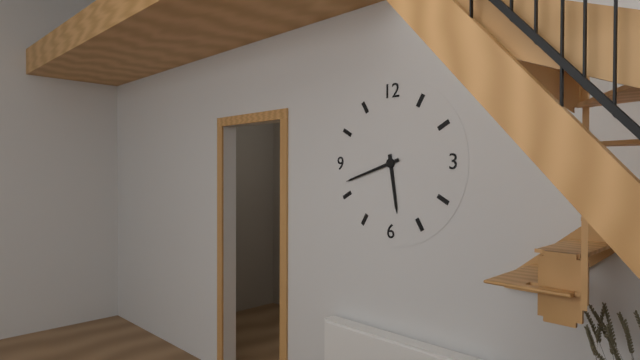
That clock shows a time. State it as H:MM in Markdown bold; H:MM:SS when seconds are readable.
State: **5:42**
